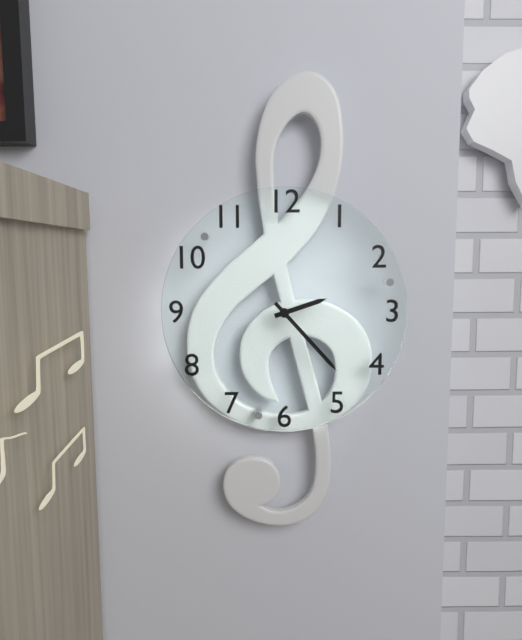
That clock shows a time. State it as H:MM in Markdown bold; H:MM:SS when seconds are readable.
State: **2:23**
